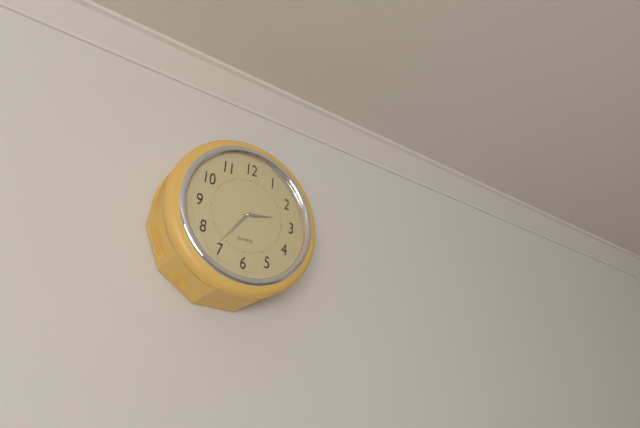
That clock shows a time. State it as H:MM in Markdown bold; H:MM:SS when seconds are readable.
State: **2:36**
